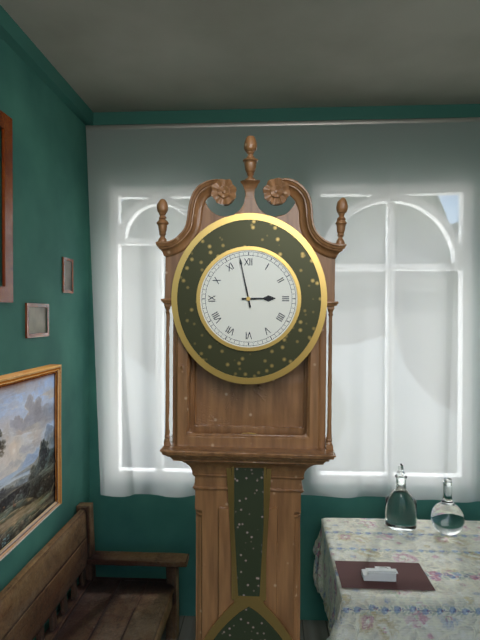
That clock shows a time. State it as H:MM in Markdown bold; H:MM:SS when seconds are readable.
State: **2:58**
